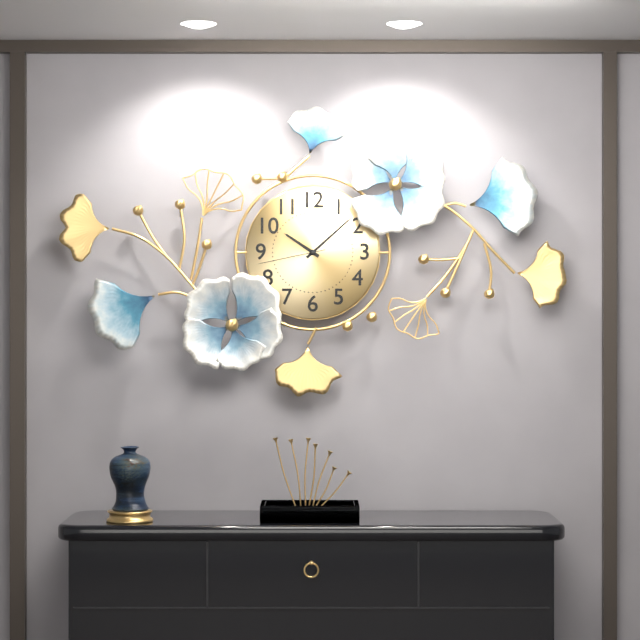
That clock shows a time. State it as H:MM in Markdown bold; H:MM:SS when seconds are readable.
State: **10:08:43**
